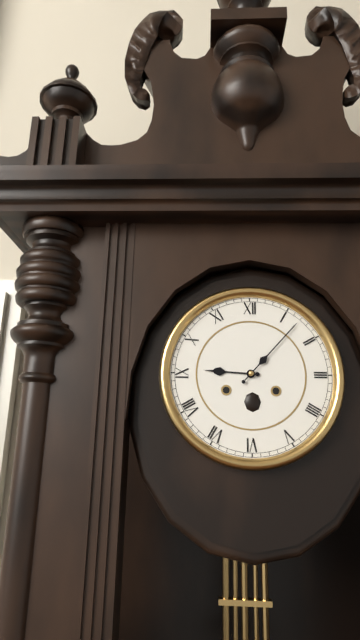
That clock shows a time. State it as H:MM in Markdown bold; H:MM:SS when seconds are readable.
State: **9:07**
